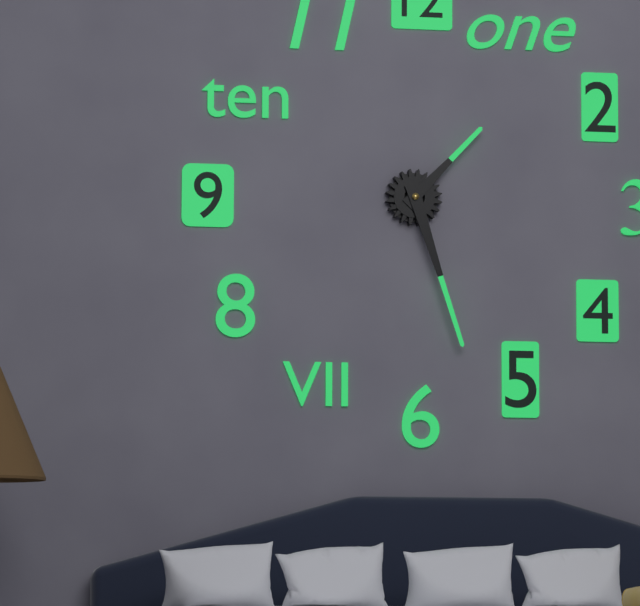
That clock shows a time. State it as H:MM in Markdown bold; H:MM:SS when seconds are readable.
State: **1:27**
